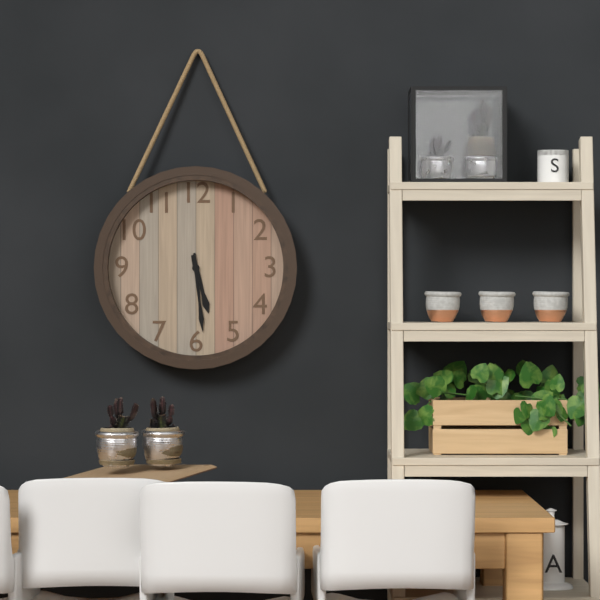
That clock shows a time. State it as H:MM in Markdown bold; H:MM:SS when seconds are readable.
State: **5:29**
